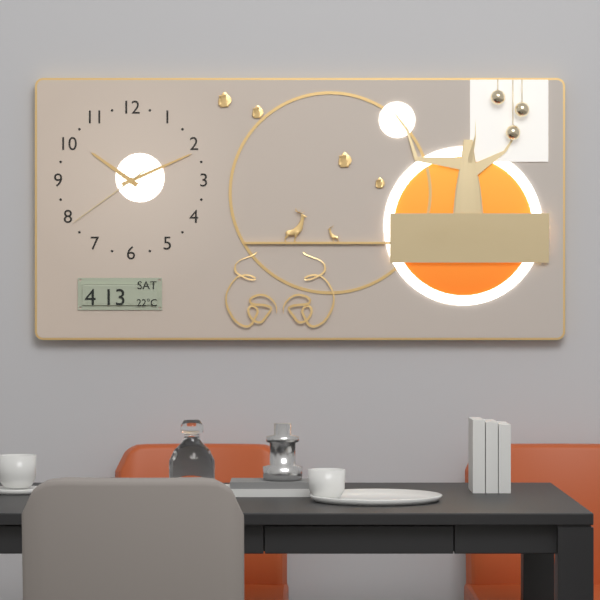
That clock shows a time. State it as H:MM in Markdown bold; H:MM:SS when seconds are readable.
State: **10:11:39**
